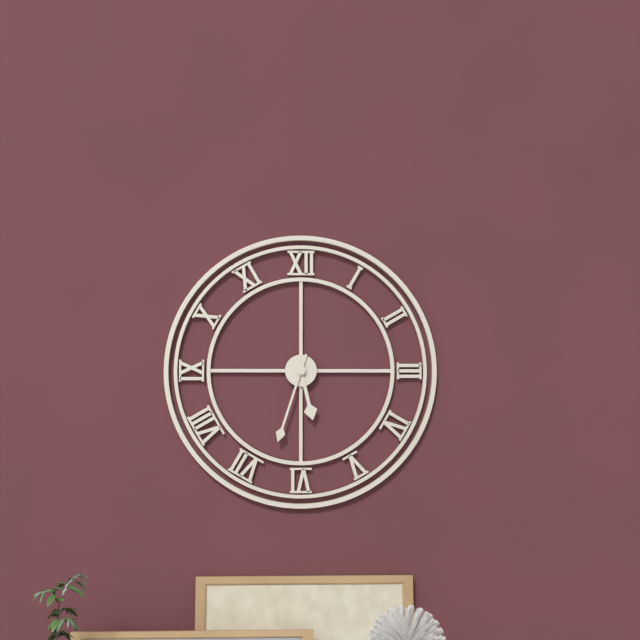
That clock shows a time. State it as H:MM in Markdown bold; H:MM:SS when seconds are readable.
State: **5:33**
